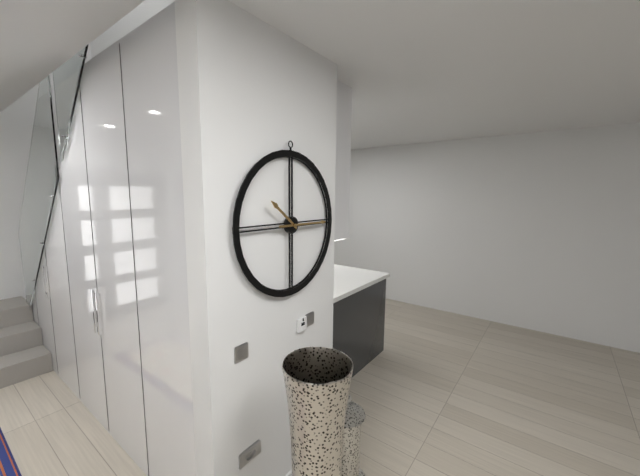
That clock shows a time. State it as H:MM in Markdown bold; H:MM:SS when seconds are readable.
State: **10:15**
